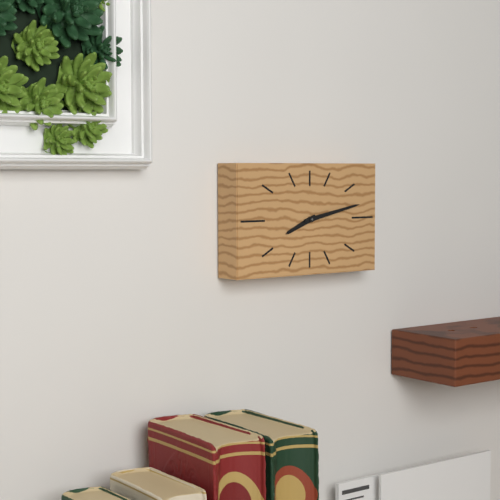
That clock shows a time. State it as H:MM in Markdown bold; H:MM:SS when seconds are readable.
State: **8:13**
